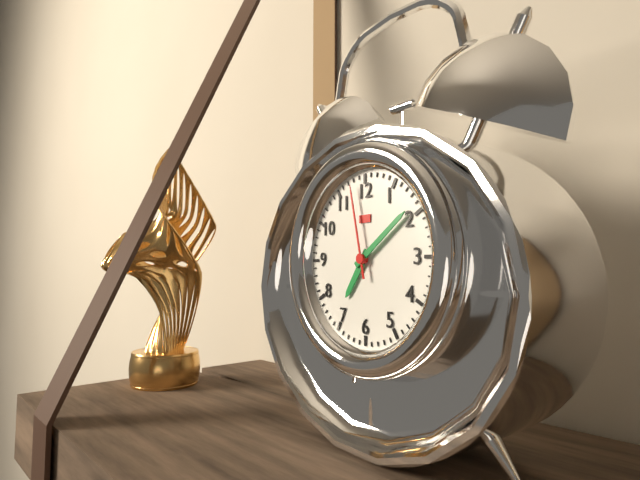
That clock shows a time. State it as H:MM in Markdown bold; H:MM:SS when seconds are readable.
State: **7:09:58**
